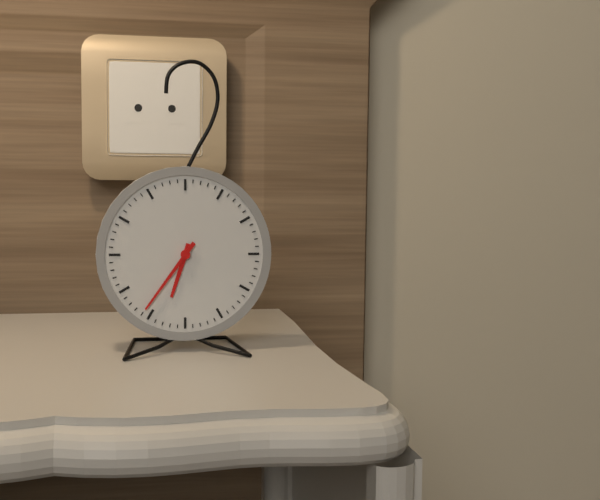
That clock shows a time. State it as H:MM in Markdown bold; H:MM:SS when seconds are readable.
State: **6:36**
